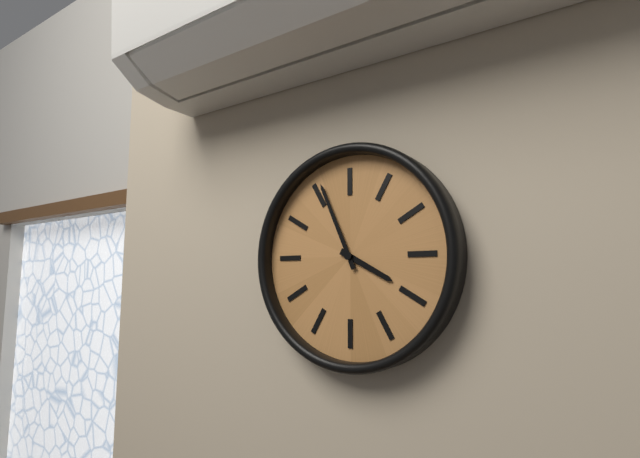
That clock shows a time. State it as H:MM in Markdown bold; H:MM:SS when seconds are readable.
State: **3:56**
